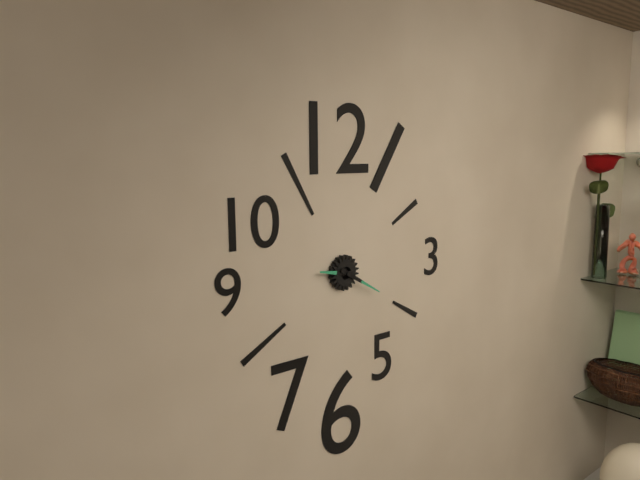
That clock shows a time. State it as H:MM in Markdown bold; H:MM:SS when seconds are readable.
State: **9:20**
